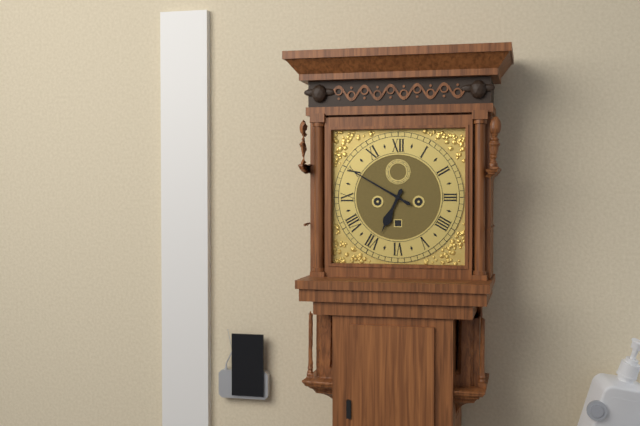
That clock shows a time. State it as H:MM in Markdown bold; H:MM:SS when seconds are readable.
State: **6:50**
